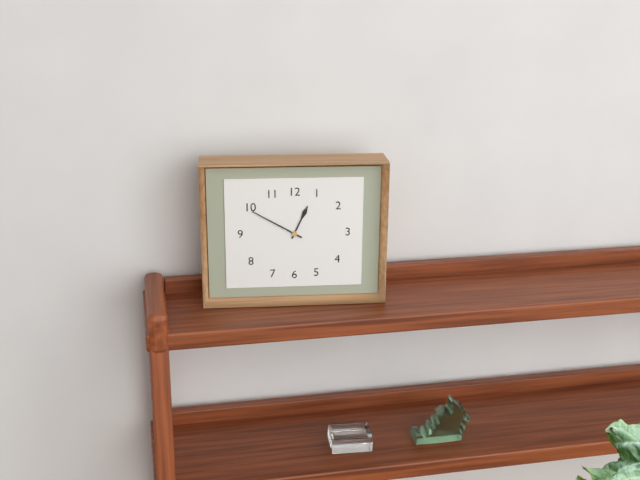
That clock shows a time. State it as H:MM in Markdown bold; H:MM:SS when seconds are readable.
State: **12:50**
